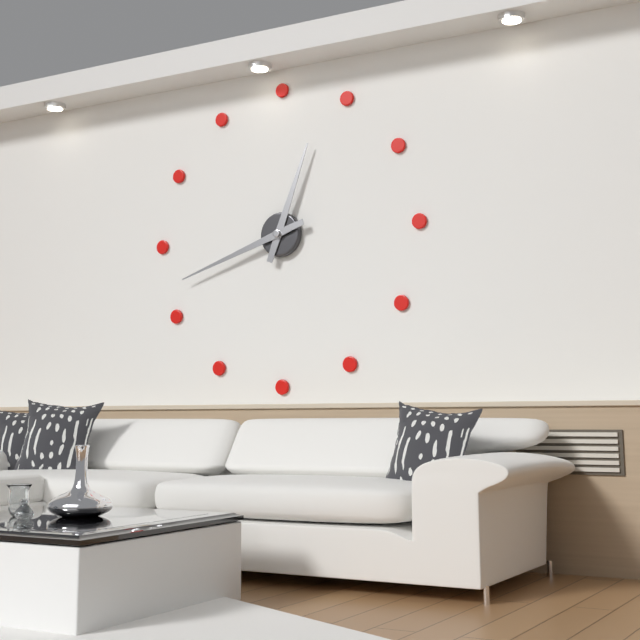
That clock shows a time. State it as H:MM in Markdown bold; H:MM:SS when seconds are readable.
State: **12:42**
